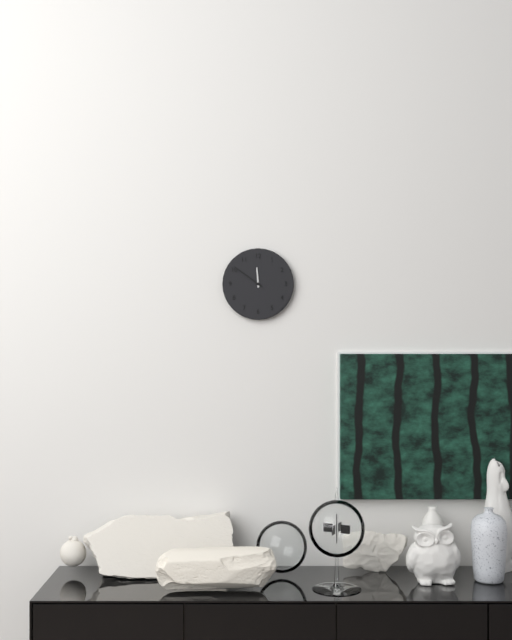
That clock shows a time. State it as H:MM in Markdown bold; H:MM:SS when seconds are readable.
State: **11:51**
